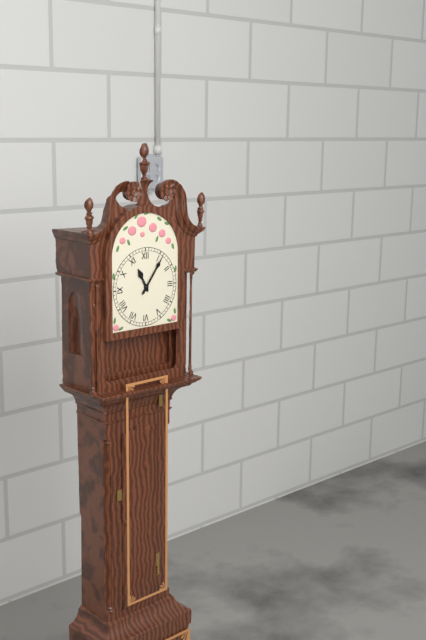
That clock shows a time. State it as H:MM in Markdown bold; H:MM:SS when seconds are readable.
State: **11:06**
